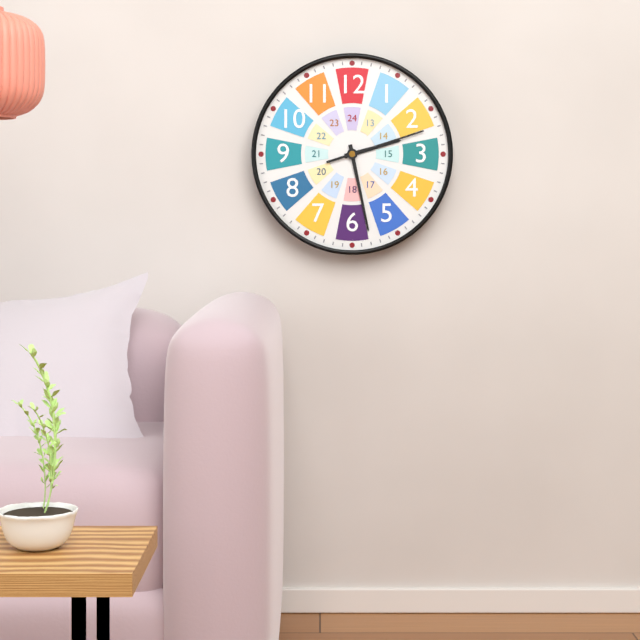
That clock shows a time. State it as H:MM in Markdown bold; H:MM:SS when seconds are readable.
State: **2:28:12**
